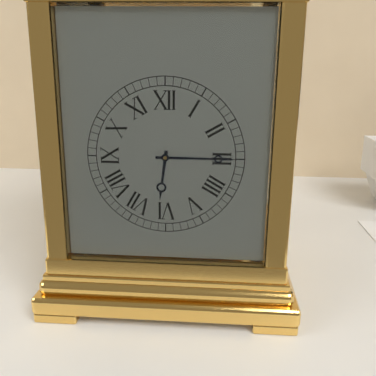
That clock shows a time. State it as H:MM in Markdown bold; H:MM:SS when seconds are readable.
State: **6:15**
